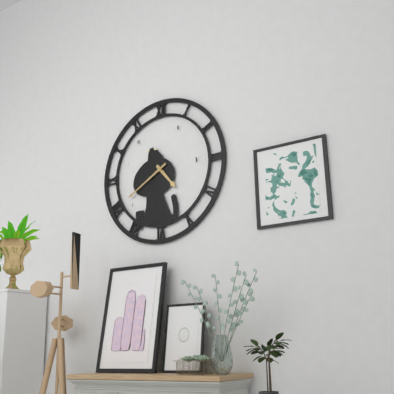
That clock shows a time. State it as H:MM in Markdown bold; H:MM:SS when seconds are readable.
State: **4:40**
